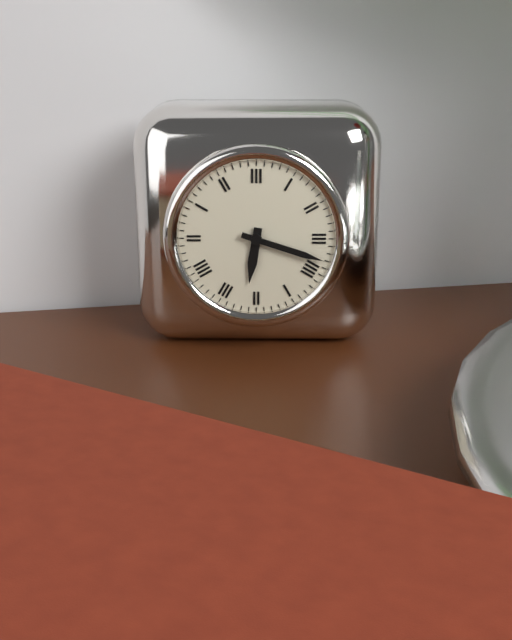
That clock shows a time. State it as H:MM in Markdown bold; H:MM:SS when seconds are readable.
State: **6:18**
